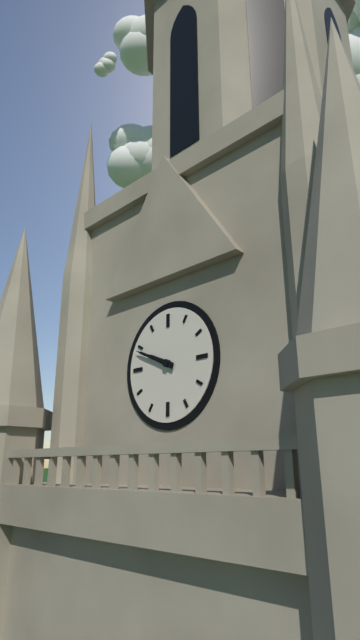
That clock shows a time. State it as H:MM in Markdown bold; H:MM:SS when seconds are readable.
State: **9:49**
